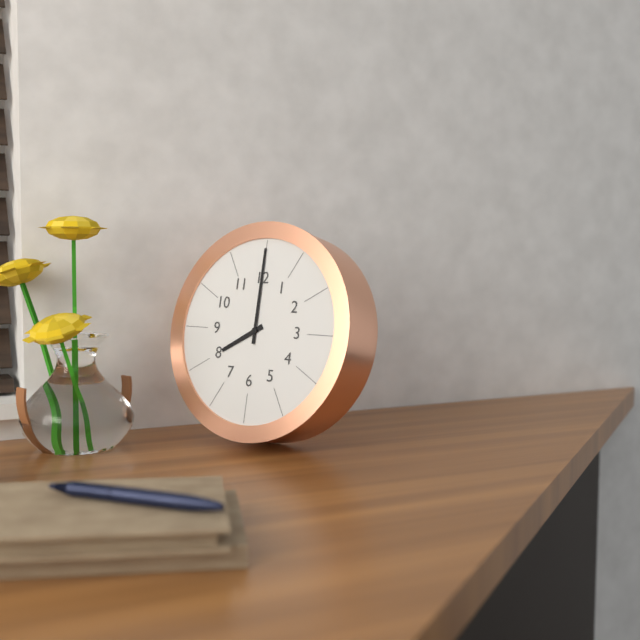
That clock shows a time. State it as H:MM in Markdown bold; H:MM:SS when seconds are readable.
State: **8:00**
